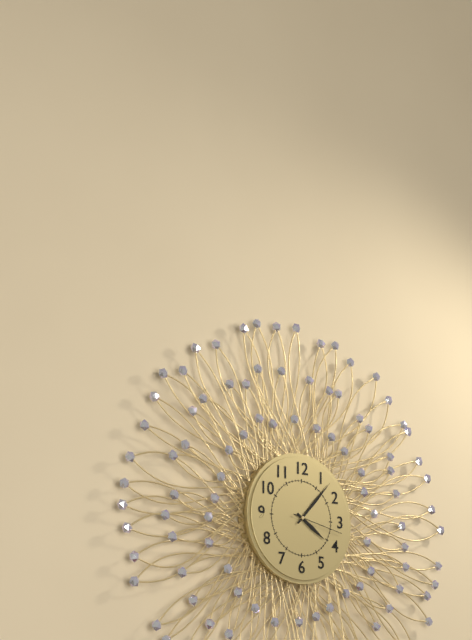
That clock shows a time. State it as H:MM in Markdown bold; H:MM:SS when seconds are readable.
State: **4:07:17**
